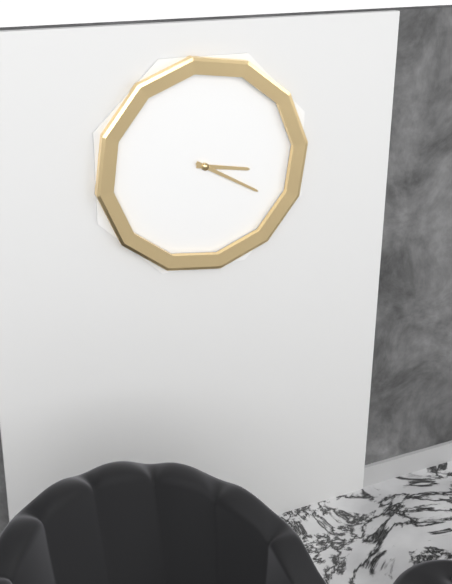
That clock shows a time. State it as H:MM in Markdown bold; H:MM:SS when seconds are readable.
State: **3:20**
